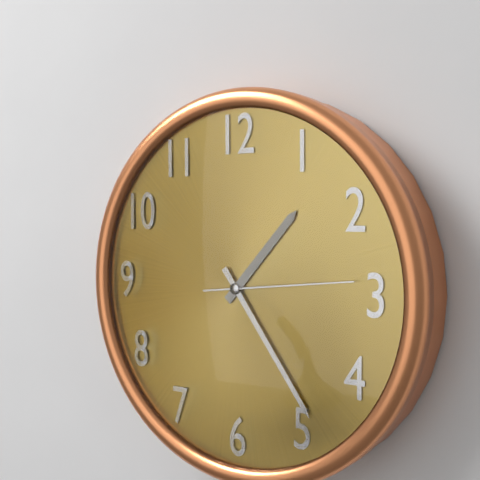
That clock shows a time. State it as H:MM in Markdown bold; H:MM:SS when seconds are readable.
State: **1:24:14**
